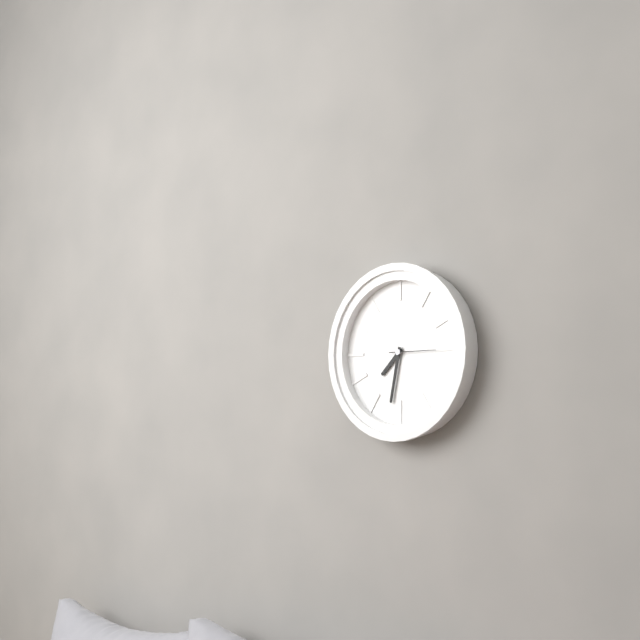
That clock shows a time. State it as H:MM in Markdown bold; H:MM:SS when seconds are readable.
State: **7:32**
